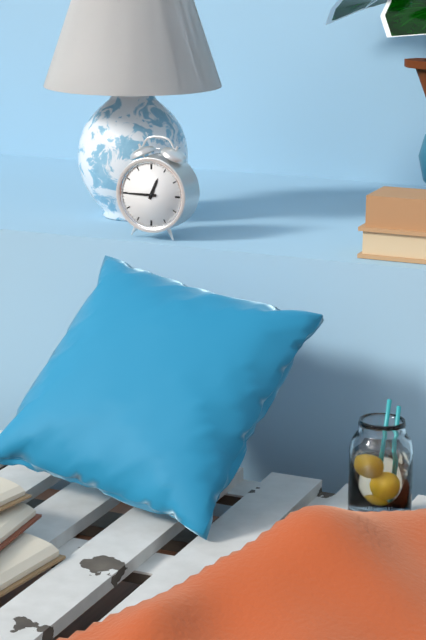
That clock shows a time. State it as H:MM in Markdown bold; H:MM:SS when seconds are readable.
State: **12:45**
